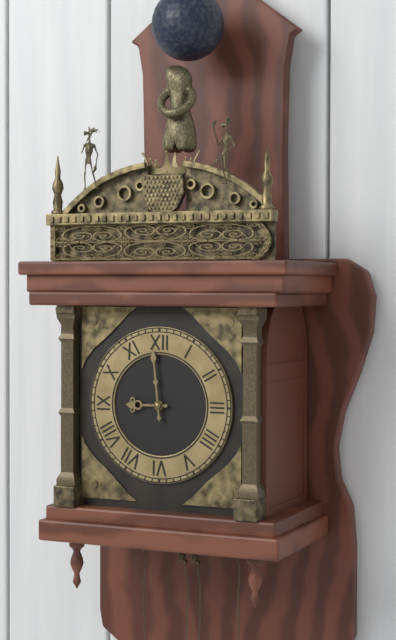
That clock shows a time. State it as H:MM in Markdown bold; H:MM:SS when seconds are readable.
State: **8:59**
